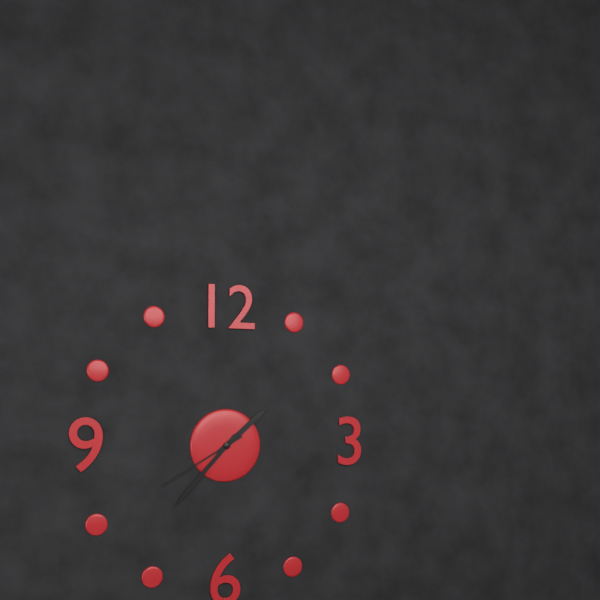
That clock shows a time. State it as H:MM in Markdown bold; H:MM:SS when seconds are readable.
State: **1:37:40**
